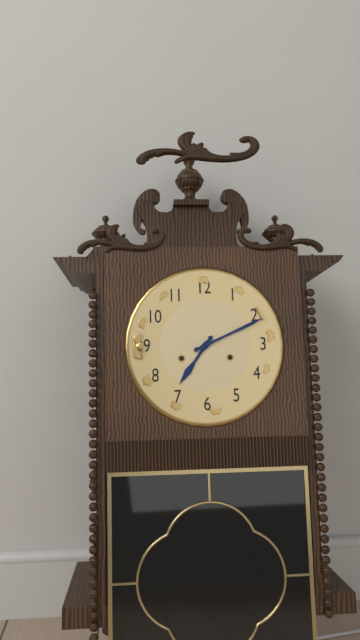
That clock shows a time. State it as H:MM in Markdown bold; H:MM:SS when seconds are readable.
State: **7:11**
